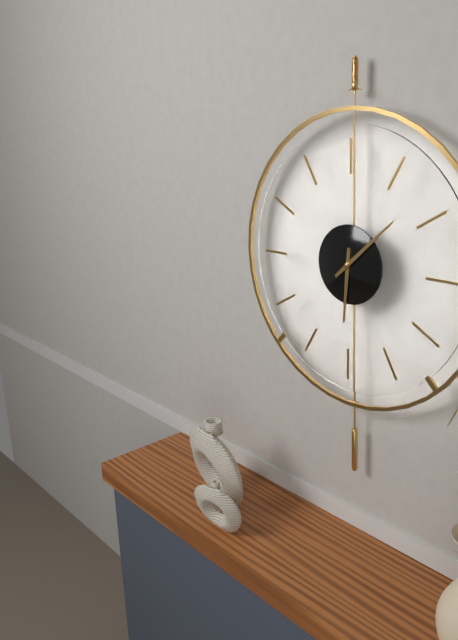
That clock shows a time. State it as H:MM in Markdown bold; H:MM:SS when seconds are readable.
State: **6:08**
